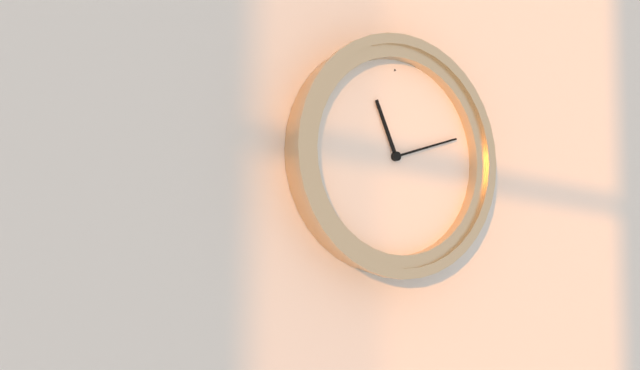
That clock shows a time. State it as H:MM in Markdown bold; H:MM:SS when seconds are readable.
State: **11:12**
